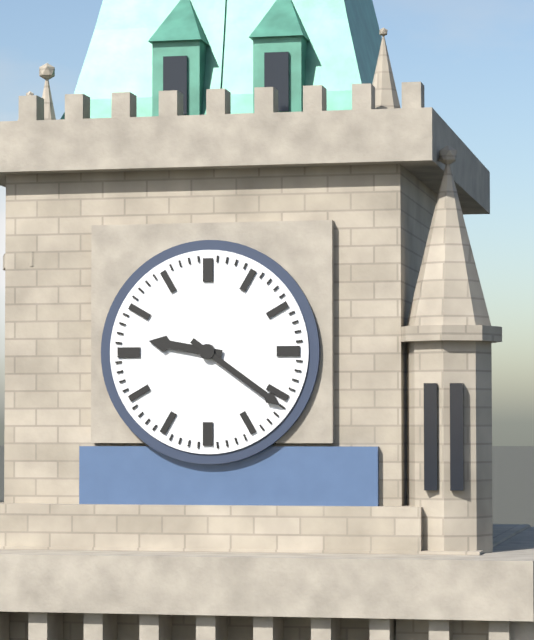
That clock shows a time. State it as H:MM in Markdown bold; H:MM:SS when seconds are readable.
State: **9:21**
